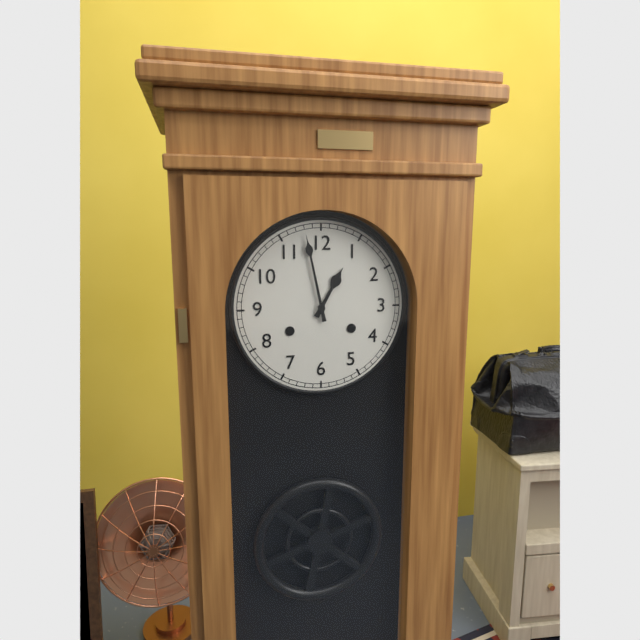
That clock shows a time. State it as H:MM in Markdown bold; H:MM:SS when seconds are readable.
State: **12:58**
